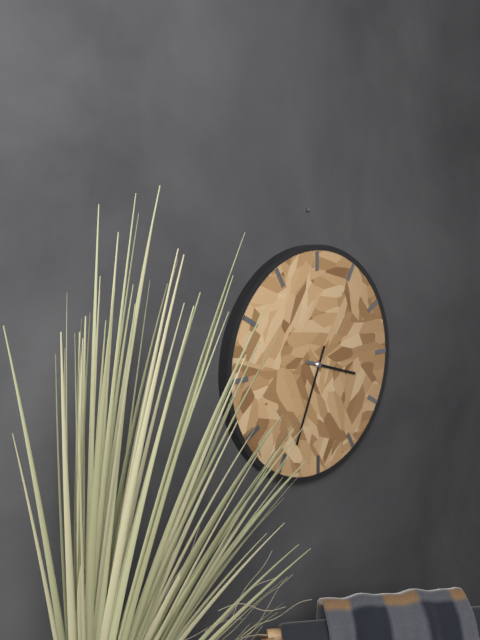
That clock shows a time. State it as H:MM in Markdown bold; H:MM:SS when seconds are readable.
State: **3:34**
